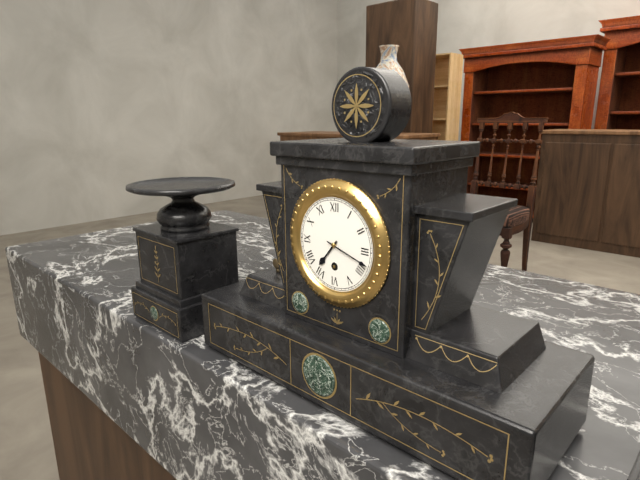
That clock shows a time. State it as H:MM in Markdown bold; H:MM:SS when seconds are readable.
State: **7:18**
